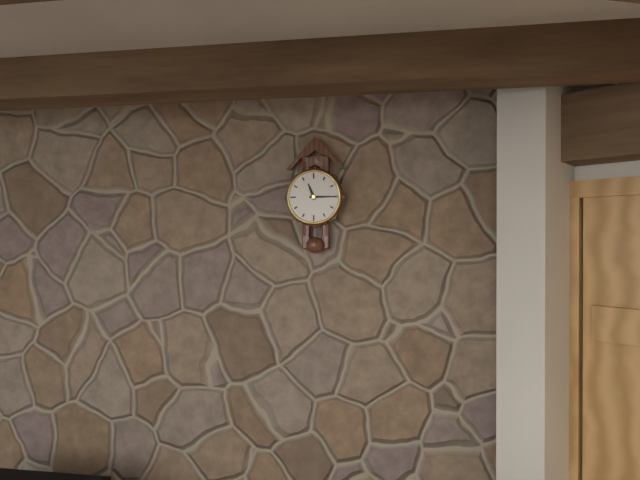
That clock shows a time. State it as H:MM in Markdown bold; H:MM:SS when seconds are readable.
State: **11:15**
